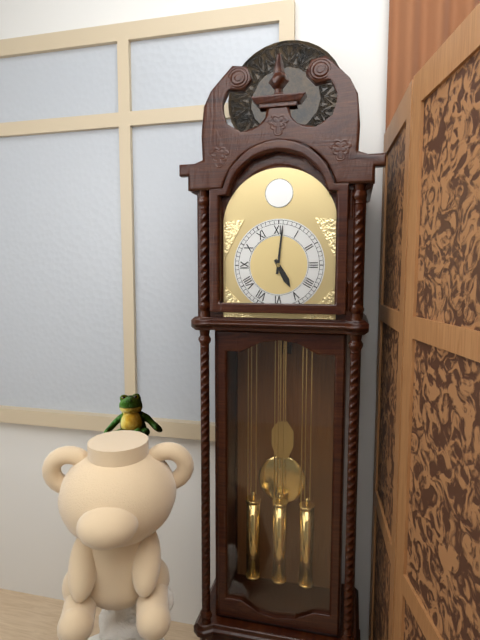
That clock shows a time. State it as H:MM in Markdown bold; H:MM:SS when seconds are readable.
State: **5:01**
